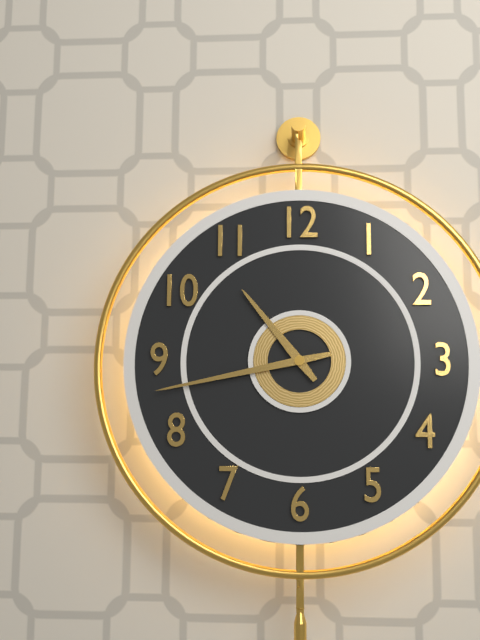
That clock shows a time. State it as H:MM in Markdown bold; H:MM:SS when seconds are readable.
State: **10:43**
